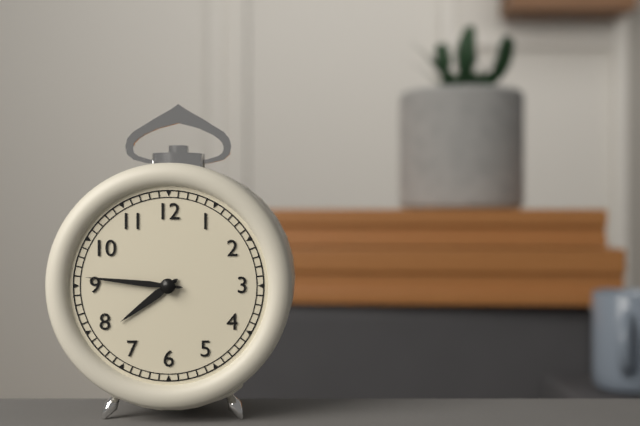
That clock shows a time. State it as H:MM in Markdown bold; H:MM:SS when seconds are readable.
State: **7:46**
